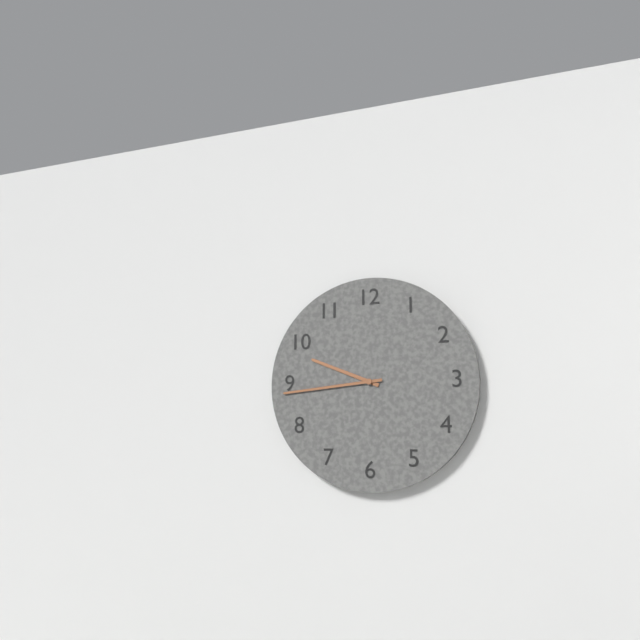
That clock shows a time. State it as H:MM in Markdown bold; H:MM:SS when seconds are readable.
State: **9:44**
